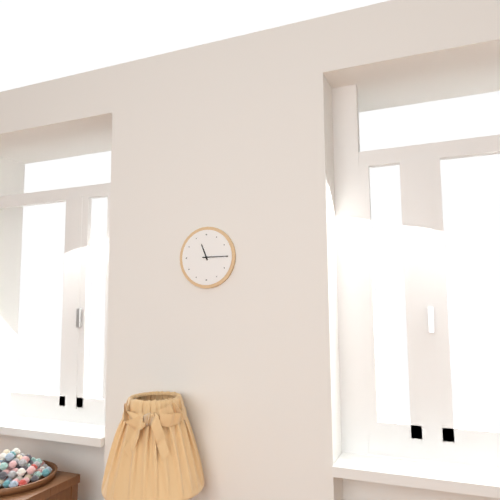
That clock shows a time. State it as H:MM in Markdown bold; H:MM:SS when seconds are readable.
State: **11:15**
